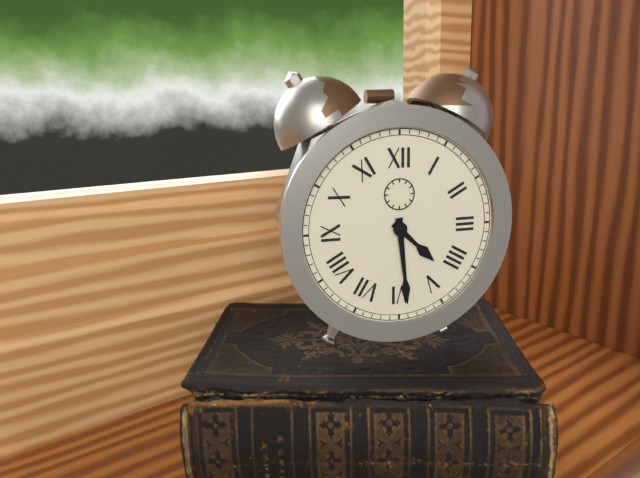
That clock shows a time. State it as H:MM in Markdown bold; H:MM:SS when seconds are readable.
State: **4:29**
